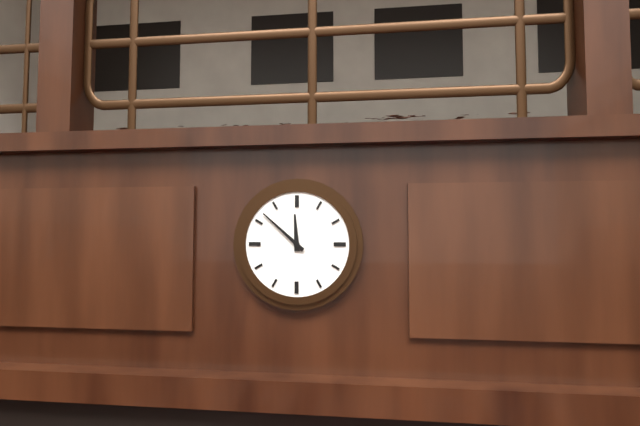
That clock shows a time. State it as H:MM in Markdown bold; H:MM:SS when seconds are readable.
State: **11:52**
